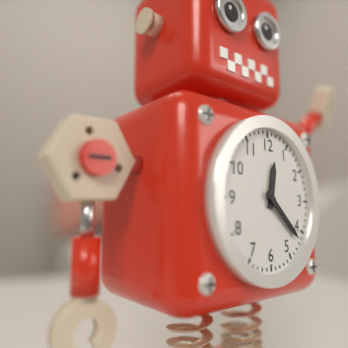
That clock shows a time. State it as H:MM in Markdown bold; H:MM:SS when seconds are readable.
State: **12:22**
